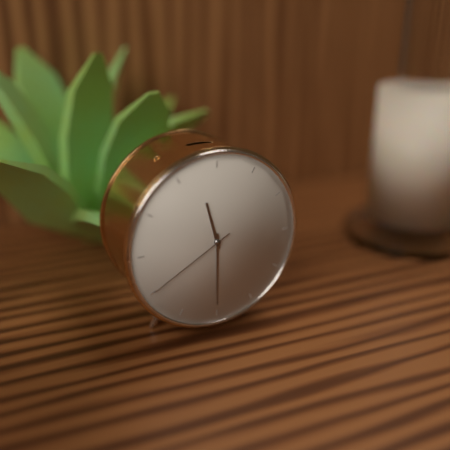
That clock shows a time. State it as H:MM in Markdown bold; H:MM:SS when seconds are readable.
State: **11:30:40**
